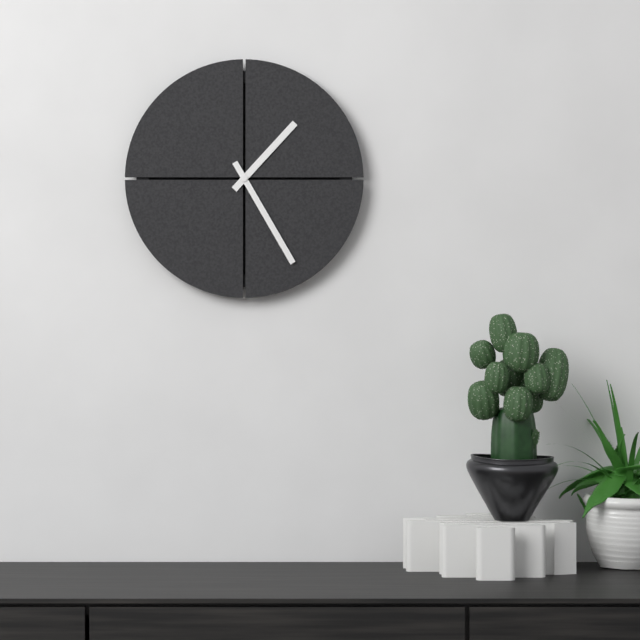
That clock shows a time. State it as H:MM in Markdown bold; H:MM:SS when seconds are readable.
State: **1:25**
